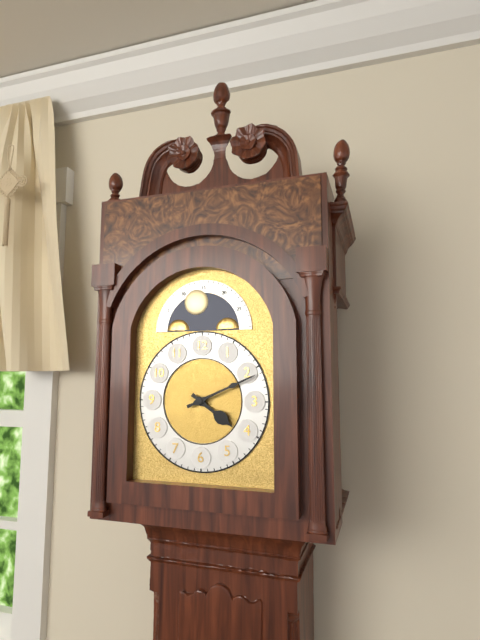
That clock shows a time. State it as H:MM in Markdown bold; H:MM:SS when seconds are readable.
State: **4:11**
